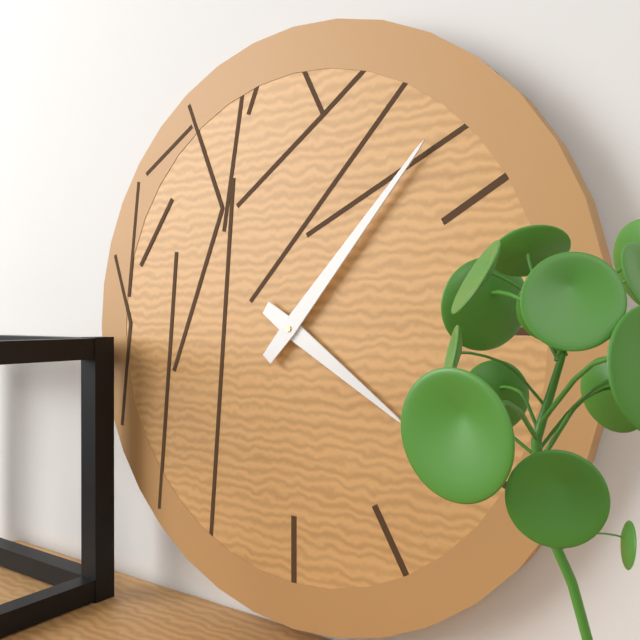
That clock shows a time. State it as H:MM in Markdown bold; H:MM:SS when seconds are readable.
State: **4:07**
